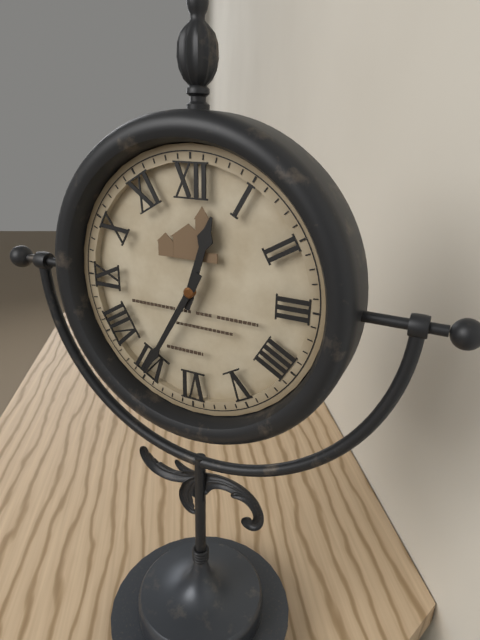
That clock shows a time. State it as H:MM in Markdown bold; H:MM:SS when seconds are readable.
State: **12:35**
